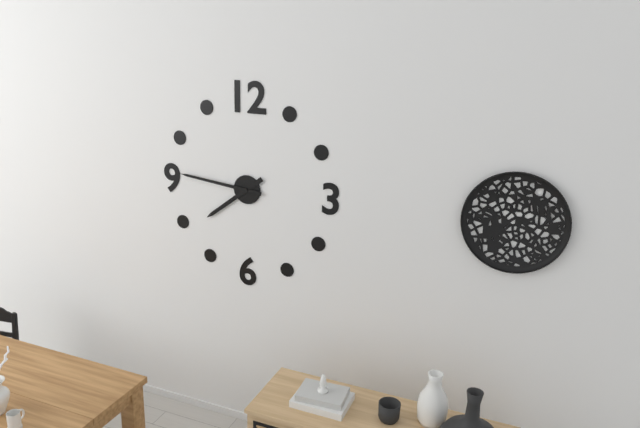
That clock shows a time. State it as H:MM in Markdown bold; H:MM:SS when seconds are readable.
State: **7:46**
